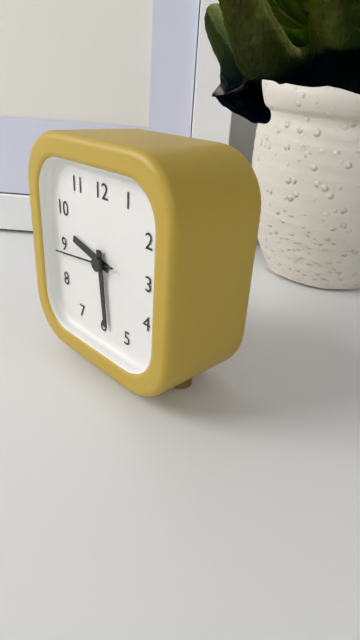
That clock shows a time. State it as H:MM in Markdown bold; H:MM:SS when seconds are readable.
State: **9:29:44**
